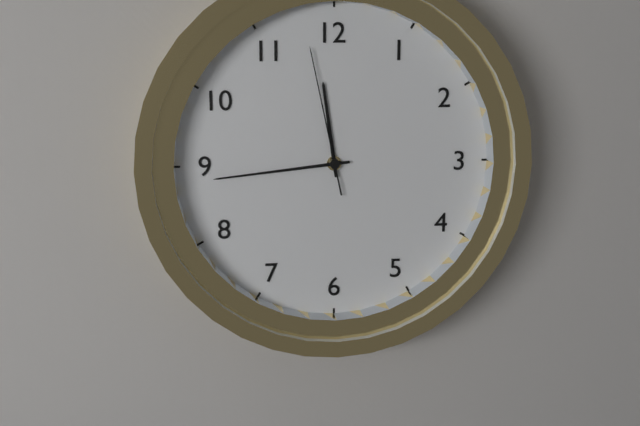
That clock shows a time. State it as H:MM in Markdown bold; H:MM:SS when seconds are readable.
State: **11:44:58**
